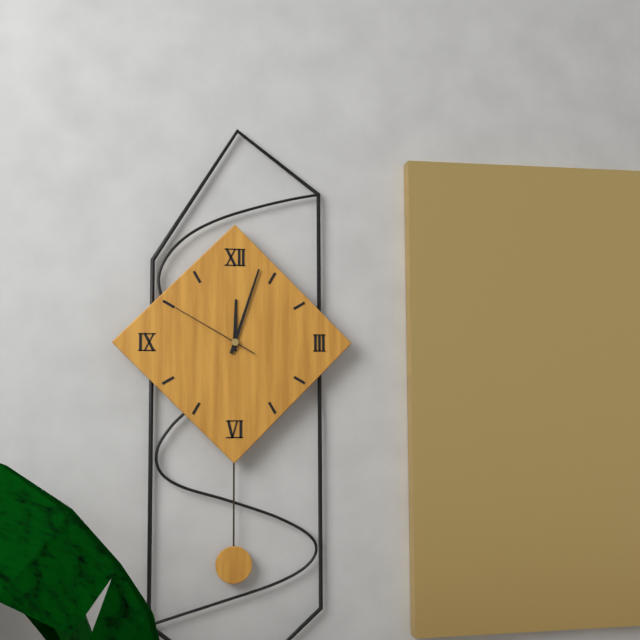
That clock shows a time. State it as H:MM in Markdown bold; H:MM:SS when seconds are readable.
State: **12:03:50**
